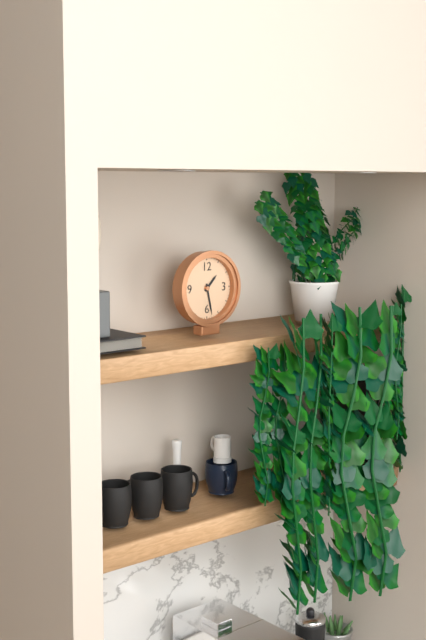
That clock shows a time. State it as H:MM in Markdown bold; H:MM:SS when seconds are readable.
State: **1:28**
